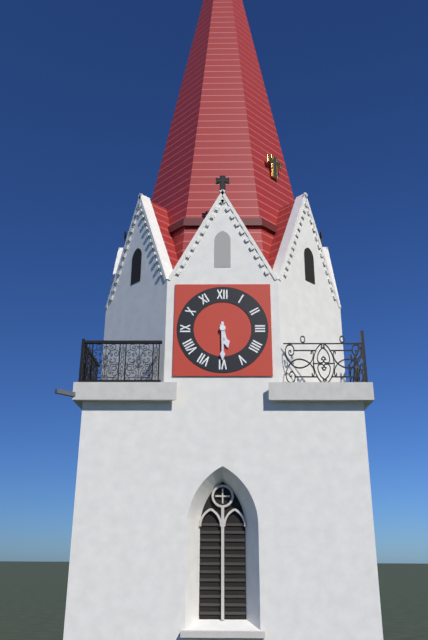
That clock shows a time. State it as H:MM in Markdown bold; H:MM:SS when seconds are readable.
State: **5:30**
